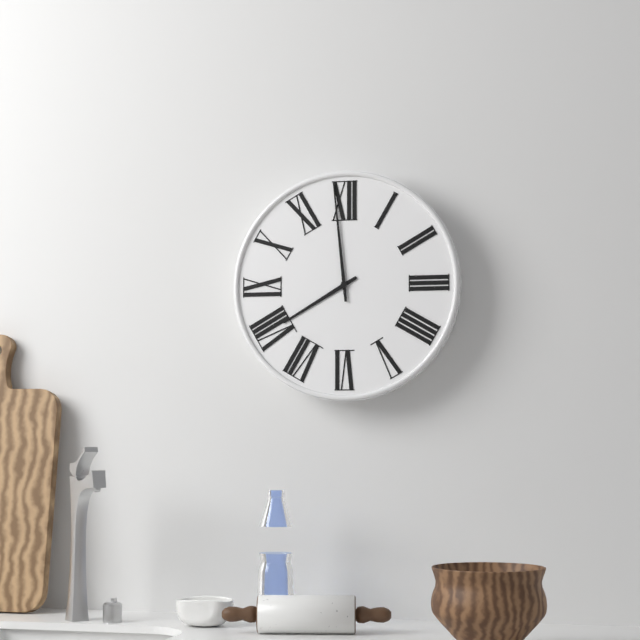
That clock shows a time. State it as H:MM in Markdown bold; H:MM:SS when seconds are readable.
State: **7:59**
